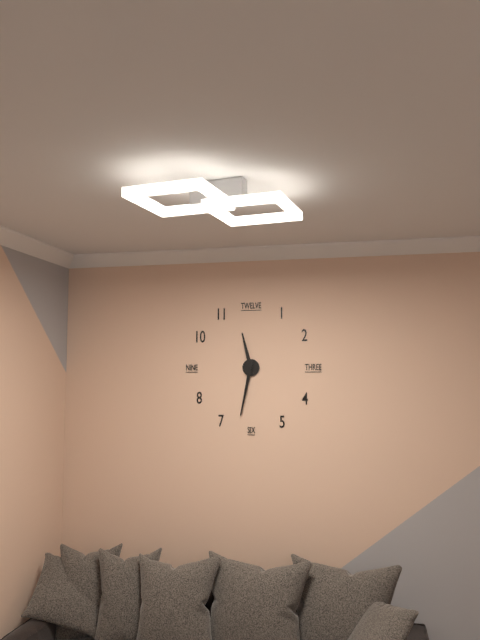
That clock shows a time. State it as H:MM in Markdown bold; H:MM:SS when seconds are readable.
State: **11:32**
